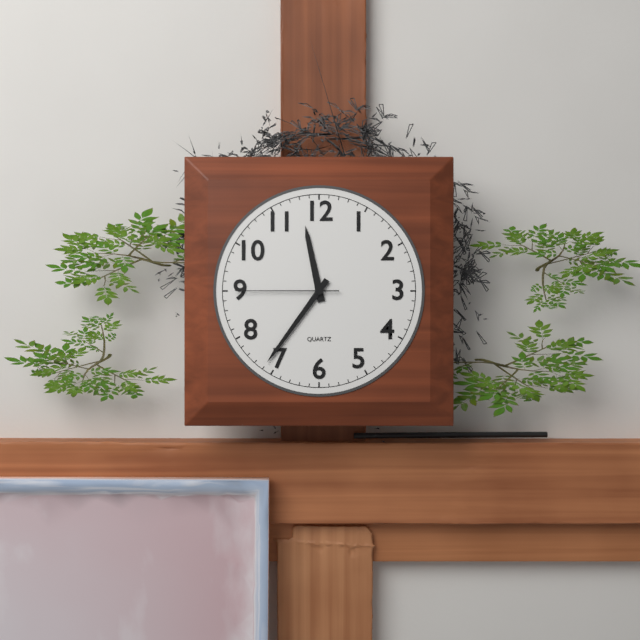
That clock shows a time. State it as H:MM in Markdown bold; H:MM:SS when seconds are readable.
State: **11:36:45**
